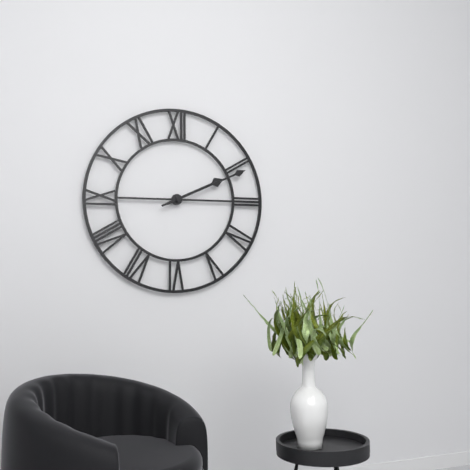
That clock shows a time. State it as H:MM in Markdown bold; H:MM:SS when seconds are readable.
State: **2:11**
